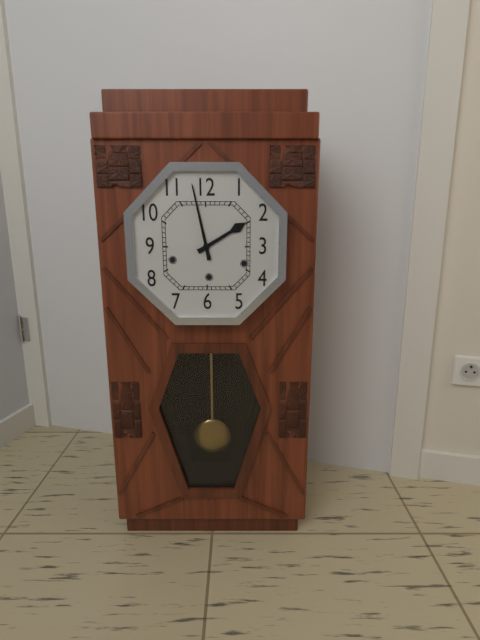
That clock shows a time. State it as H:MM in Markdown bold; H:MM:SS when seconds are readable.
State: **1:58**
